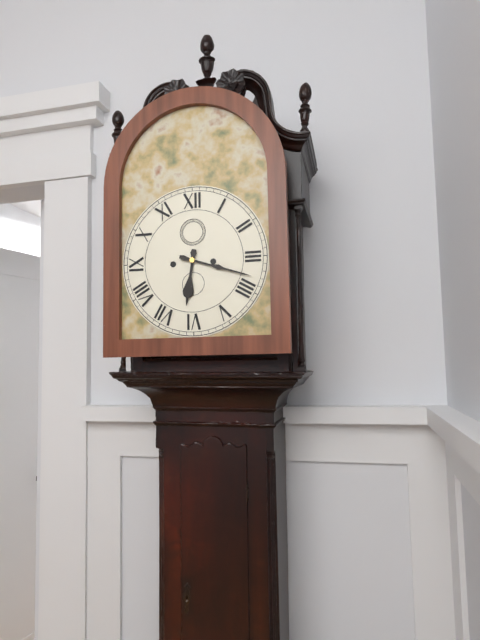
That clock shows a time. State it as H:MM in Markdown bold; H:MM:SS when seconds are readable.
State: **6:18**
